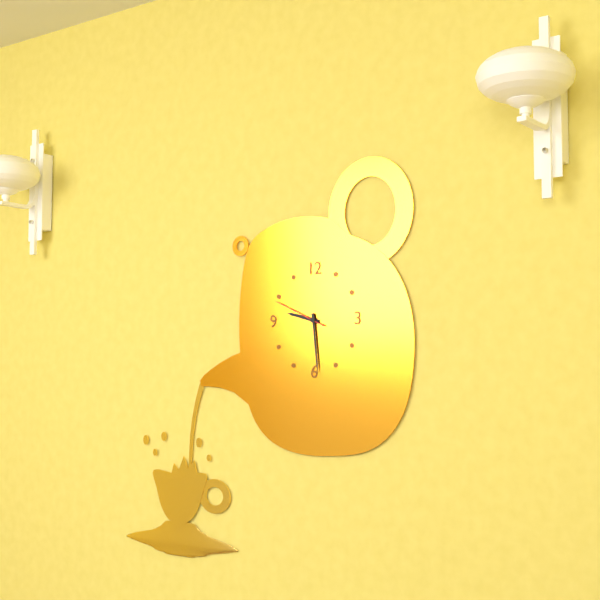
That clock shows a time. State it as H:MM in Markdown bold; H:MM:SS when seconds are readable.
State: **9:29:49**
